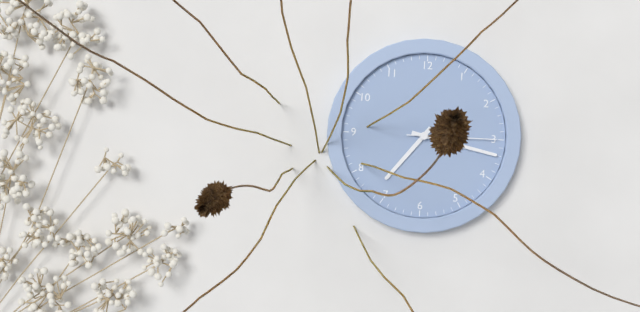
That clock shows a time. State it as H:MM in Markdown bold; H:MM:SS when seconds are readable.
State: **7:17:15**
